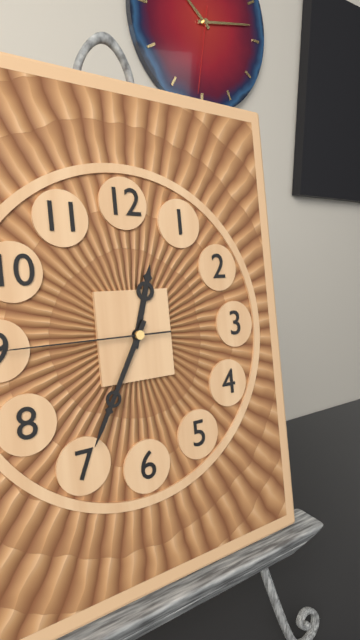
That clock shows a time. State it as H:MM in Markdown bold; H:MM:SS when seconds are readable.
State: **12:35**
